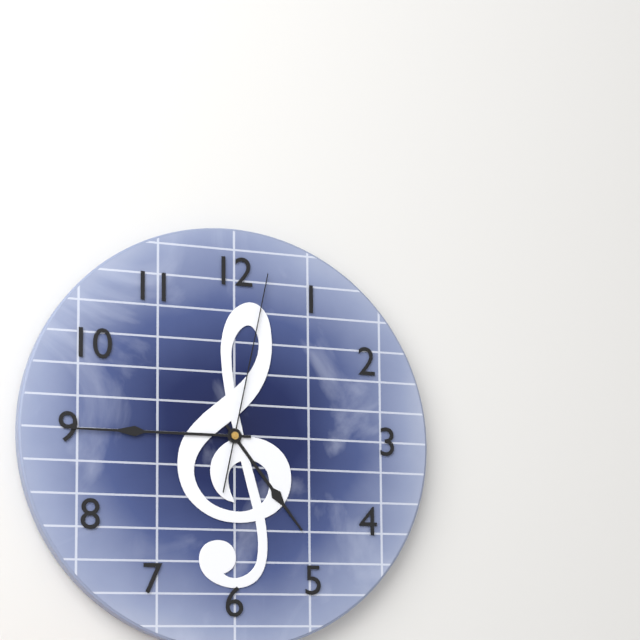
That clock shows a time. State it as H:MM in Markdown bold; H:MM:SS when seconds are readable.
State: **4:45:02**
